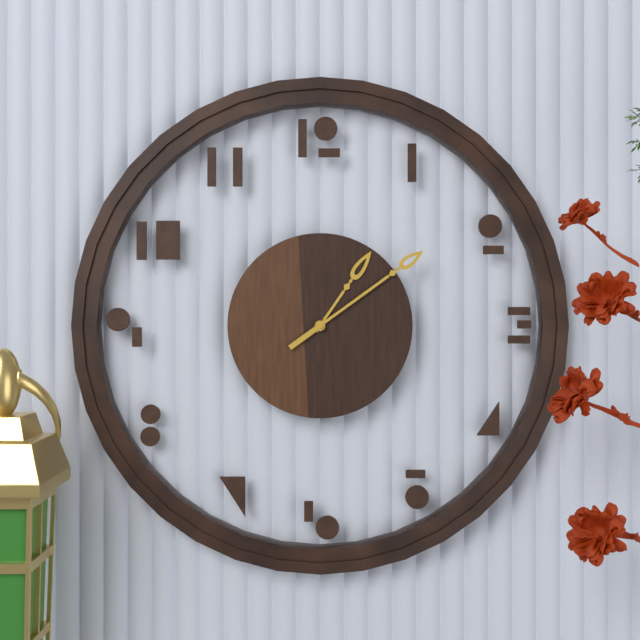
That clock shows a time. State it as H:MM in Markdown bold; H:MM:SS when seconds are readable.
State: **1:09**
